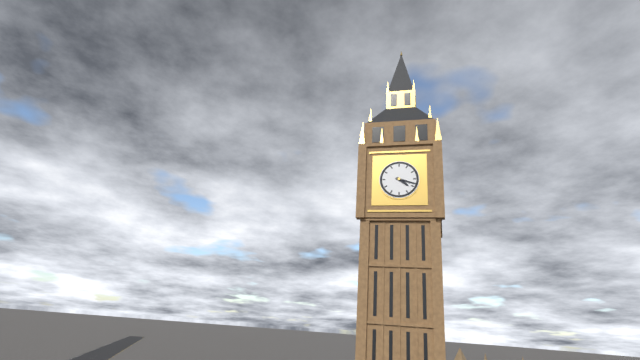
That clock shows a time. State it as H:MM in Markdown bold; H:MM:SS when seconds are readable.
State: **4:18**
